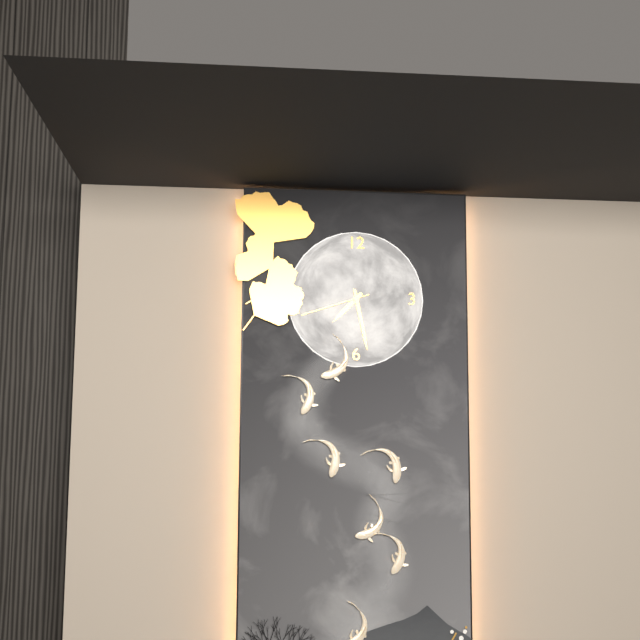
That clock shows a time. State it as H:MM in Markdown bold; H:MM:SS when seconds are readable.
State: **7:28:42**
